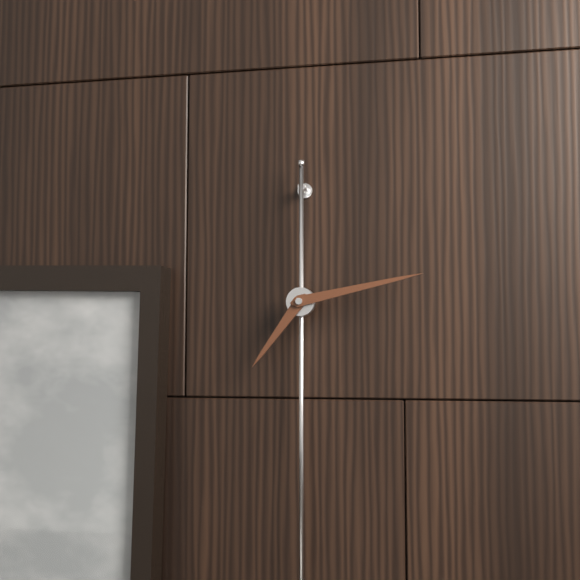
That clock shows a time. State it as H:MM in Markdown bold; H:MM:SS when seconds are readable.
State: **7:13**
